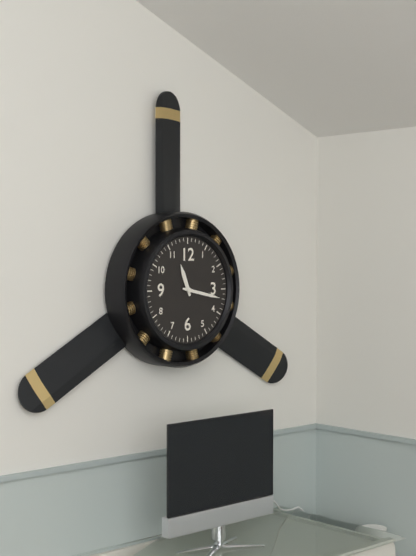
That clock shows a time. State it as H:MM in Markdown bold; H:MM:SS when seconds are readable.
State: **11:17**
